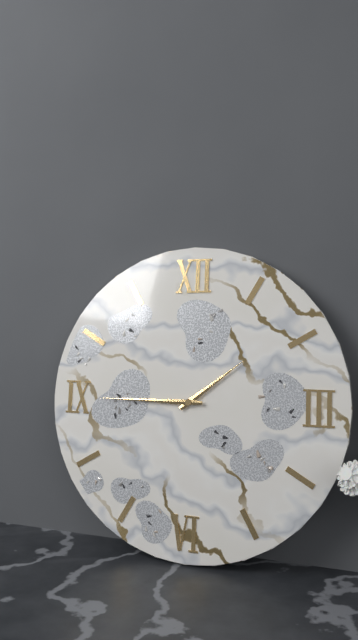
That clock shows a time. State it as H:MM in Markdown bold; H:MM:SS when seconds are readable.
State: **1:45**
